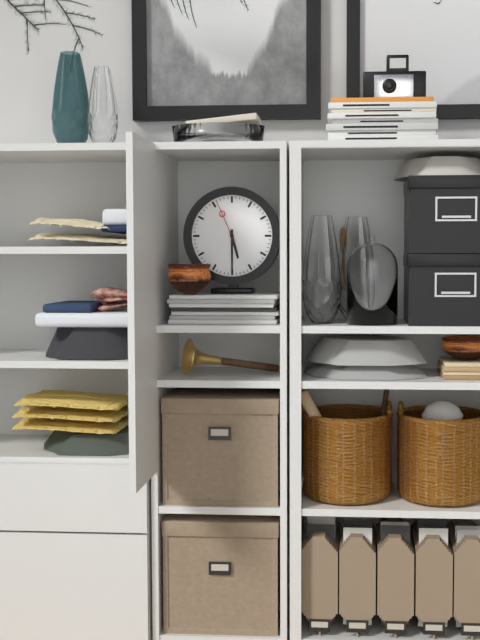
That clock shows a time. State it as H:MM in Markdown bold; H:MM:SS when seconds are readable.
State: **5:30**
